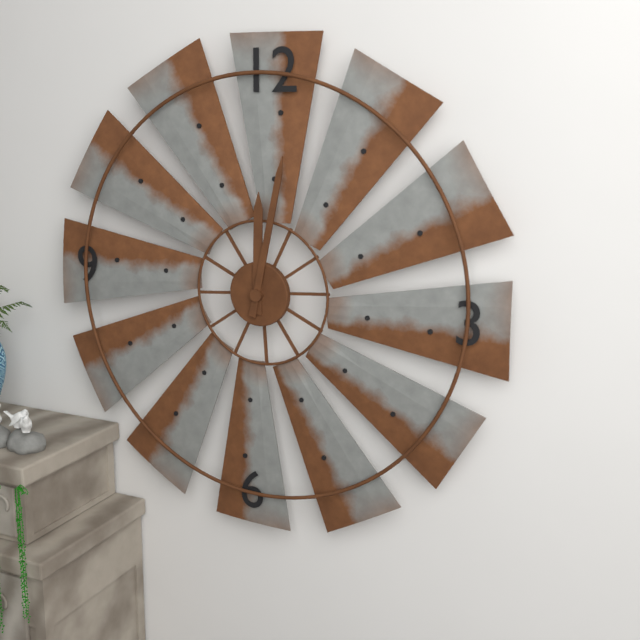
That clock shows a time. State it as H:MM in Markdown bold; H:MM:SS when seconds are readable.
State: **12:02**
